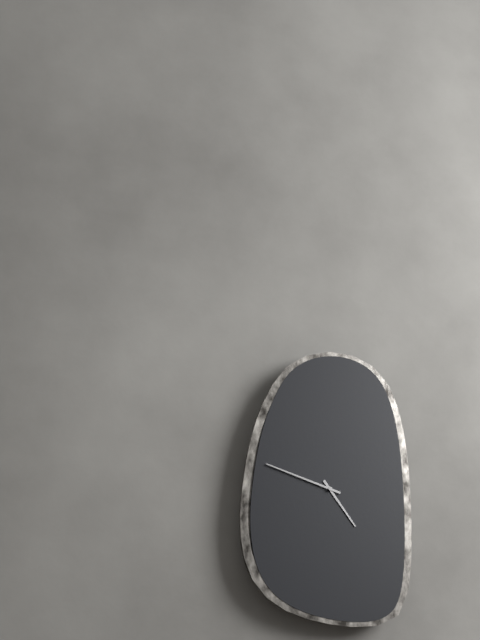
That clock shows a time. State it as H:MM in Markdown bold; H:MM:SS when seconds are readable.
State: **4:48**
